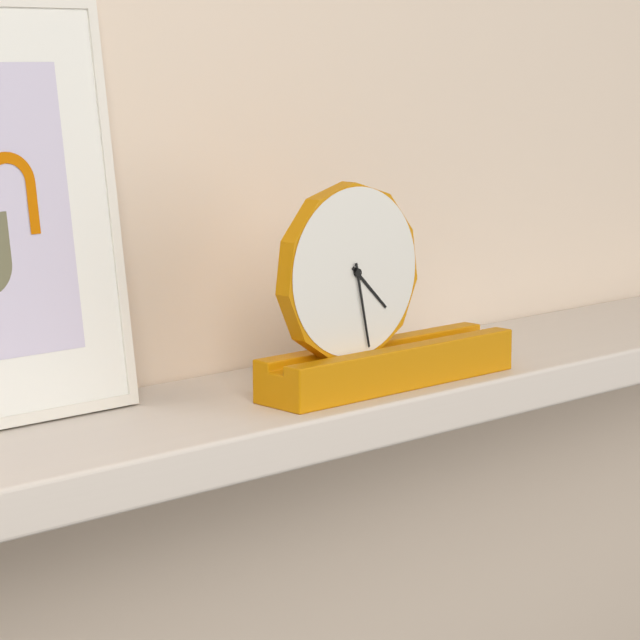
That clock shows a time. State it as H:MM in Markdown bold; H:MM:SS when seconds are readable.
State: **4:28**
